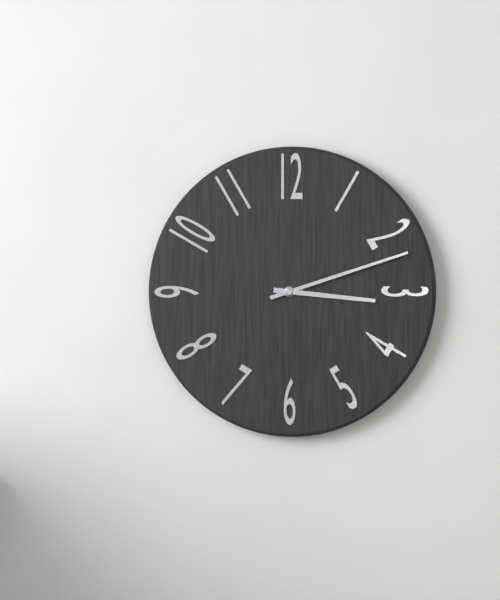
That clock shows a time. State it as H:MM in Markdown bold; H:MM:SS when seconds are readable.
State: **3:12**
